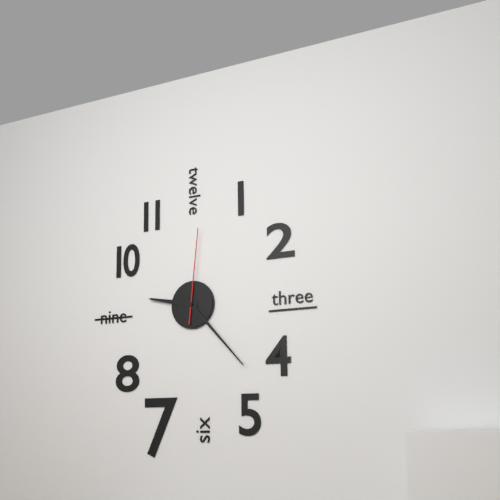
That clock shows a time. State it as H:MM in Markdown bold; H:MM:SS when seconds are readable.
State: **9:23:01**
